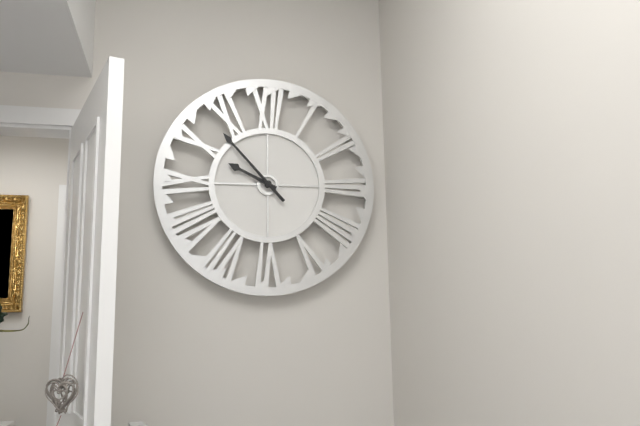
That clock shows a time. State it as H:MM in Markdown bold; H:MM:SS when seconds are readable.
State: **9:53**
